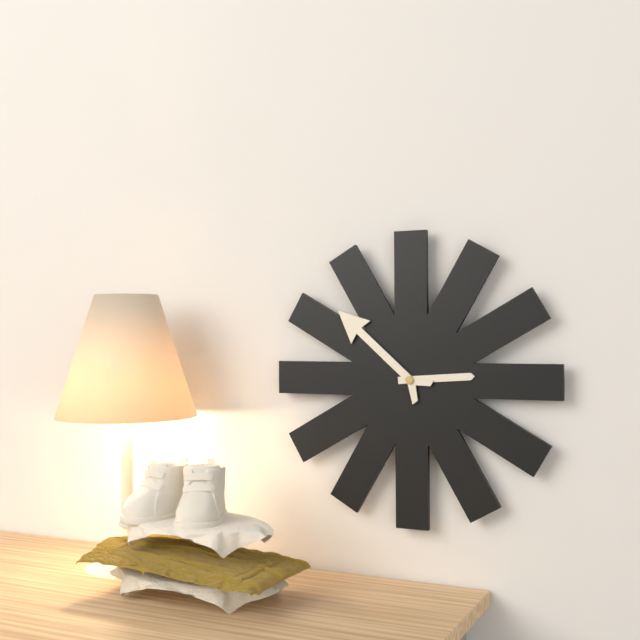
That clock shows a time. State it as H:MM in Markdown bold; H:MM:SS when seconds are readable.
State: **2:52**
